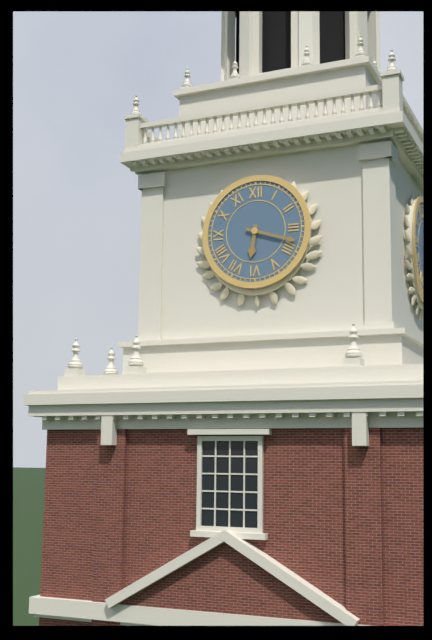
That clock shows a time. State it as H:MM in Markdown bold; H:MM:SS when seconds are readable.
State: **6:18**
